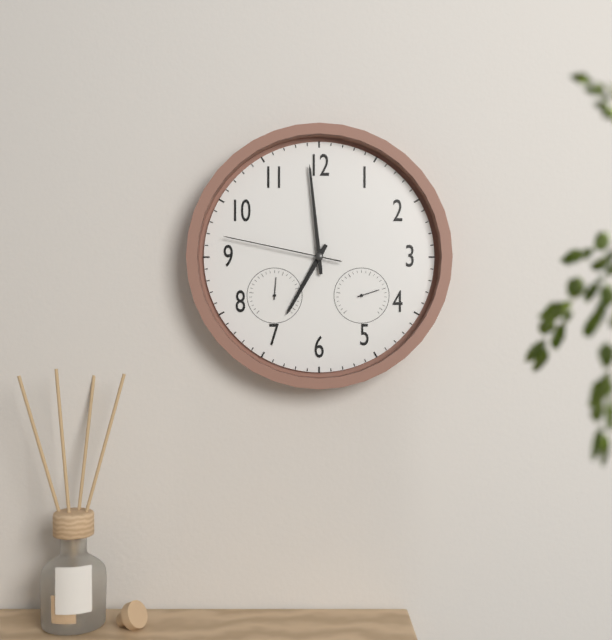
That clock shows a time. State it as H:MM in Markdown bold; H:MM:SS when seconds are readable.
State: **6:59:47**
